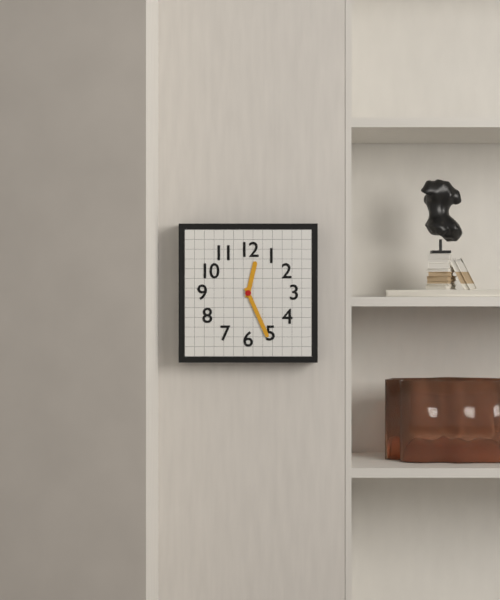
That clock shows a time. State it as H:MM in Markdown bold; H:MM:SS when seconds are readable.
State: **12:26**
